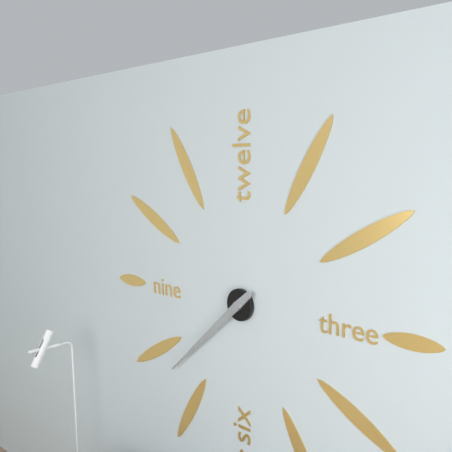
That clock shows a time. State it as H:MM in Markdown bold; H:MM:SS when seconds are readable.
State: **7:38**
